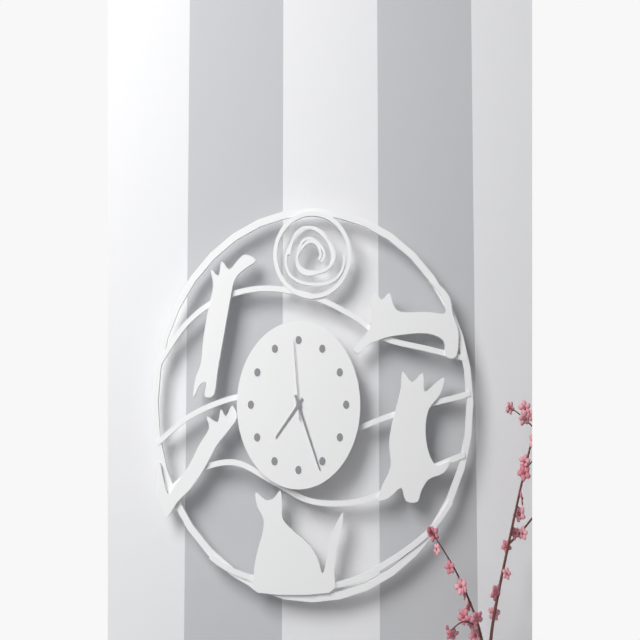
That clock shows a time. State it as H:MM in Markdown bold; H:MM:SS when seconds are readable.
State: **7:26:59**
